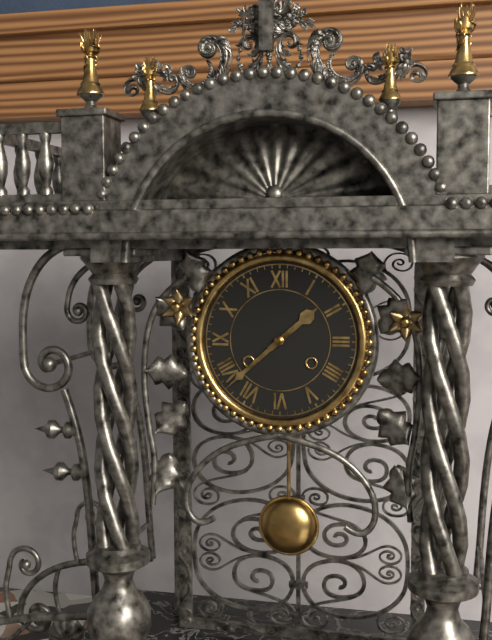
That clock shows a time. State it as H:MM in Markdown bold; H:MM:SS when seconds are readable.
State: **1:38**
